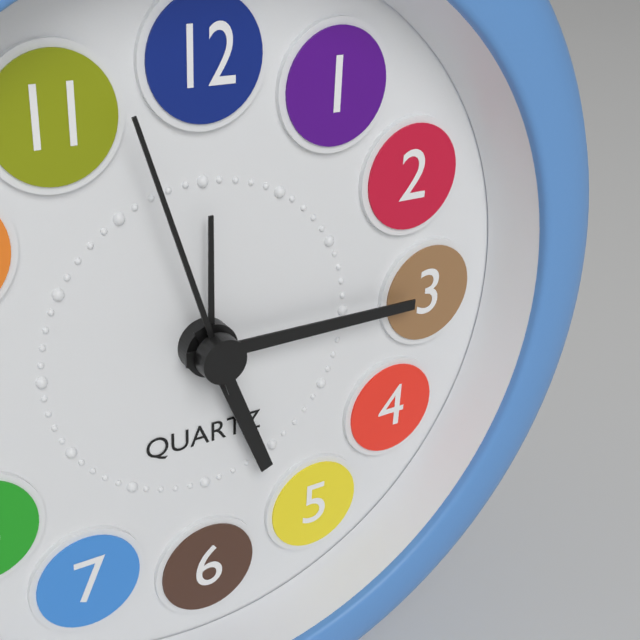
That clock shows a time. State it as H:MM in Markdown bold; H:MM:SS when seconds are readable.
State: **5:15:57**
